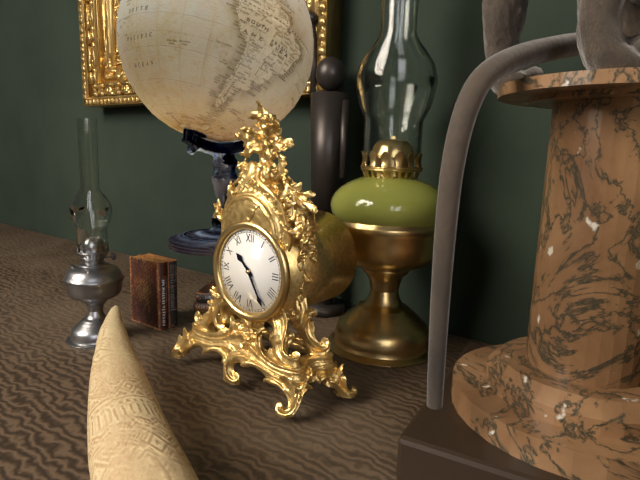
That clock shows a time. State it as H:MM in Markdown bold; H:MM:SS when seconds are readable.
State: **10:25**
